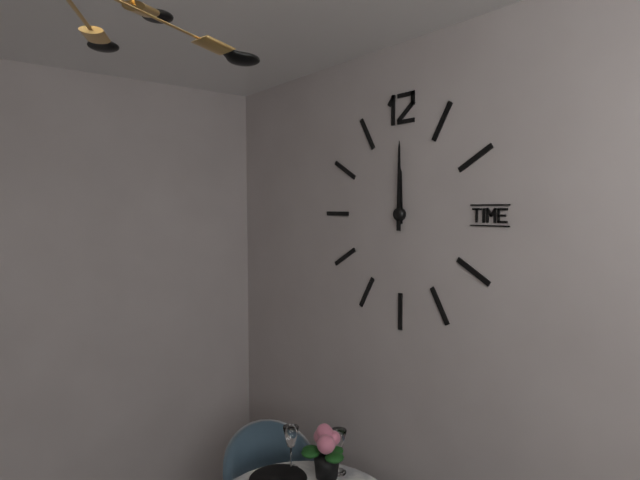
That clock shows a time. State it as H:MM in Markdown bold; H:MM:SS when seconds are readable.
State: **12:00**
